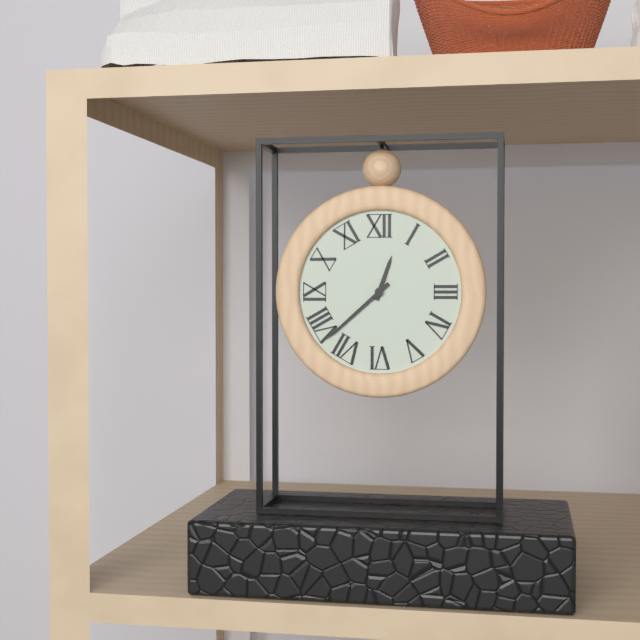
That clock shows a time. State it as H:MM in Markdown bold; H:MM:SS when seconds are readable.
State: **12:38**
